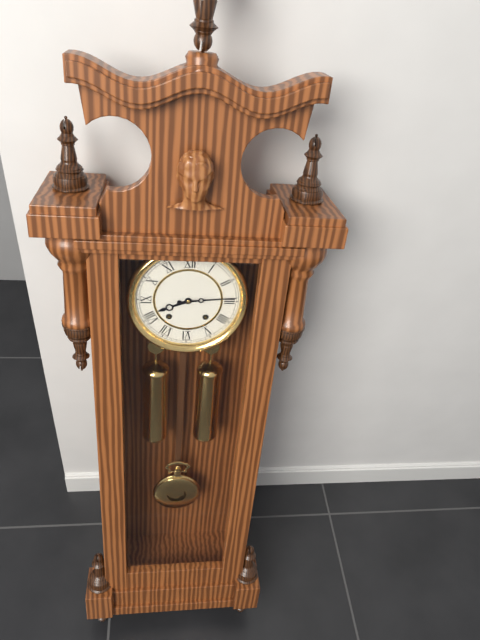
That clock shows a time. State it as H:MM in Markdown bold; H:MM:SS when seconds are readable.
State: **8:14**
